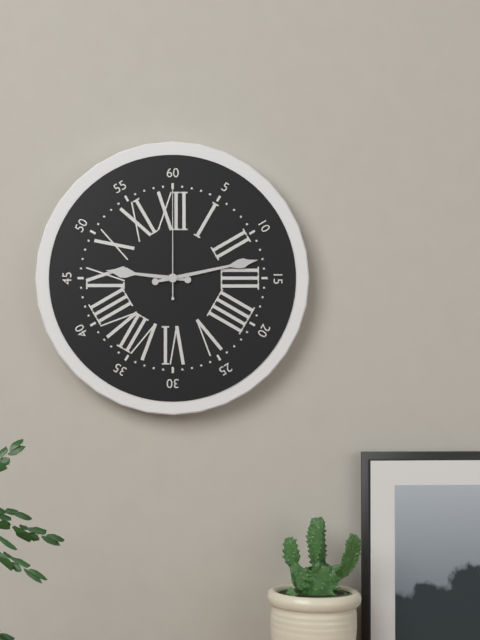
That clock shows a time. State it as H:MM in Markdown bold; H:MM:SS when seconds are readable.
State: **9:13:00**
